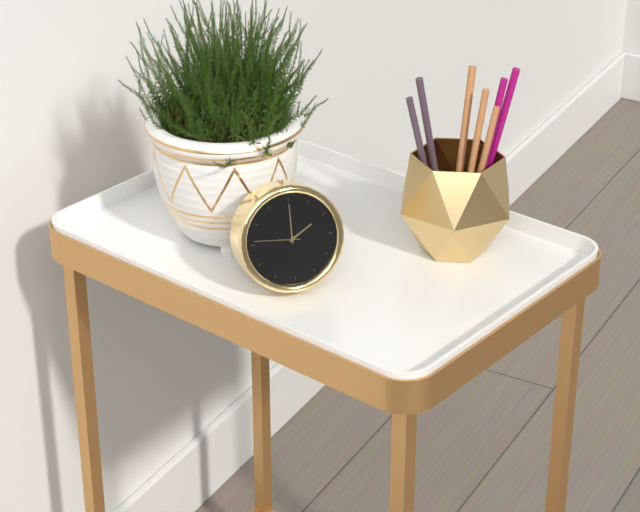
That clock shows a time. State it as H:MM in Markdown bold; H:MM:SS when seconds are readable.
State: **2:00**
